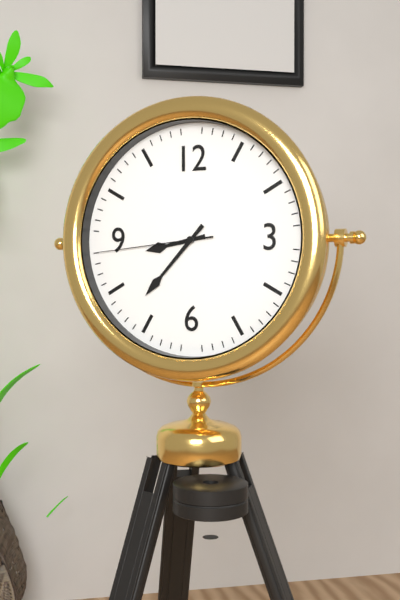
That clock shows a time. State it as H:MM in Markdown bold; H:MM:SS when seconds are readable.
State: **8:37:44**
